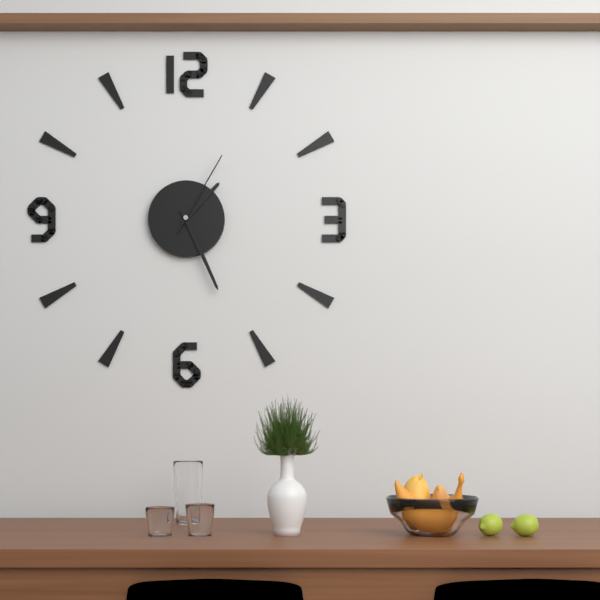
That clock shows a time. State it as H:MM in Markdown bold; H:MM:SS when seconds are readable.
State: **1:26:05**
